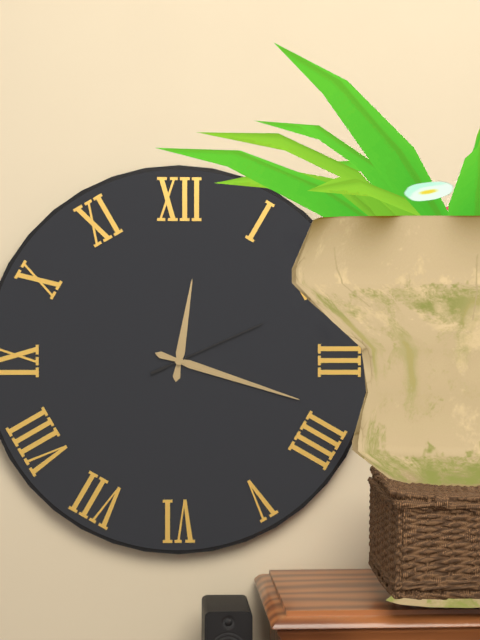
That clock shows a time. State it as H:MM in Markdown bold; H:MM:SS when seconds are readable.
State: **12:18:11**
